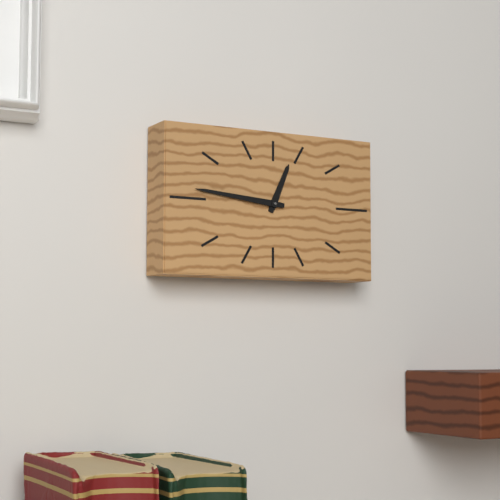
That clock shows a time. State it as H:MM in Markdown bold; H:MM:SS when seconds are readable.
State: **12:46**
